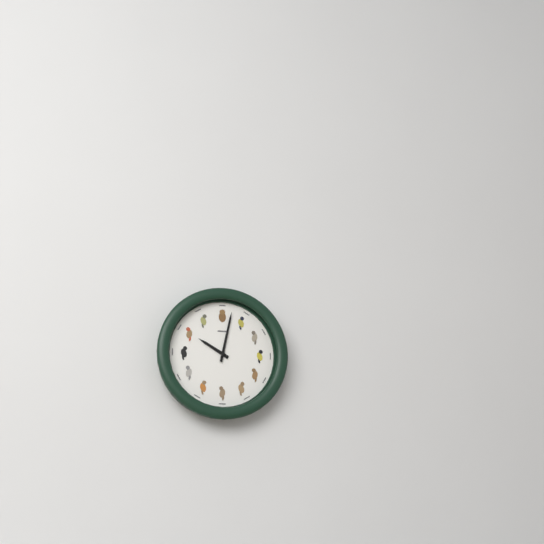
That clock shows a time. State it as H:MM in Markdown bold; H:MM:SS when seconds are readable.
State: **10:02**
